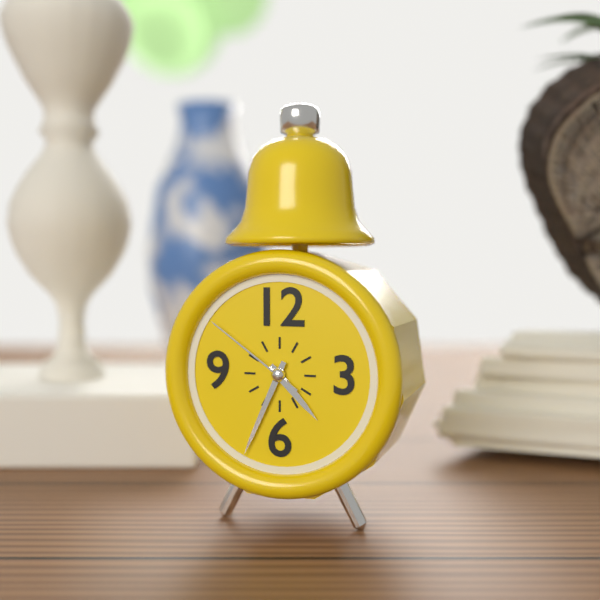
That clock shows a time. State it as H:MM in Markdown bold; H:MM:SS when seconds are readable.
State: **4:34:51**
